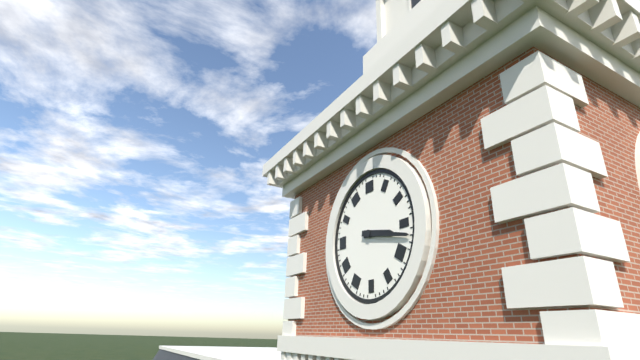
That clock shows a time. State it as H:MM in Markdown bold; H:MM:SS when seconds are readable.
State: **3:17**
